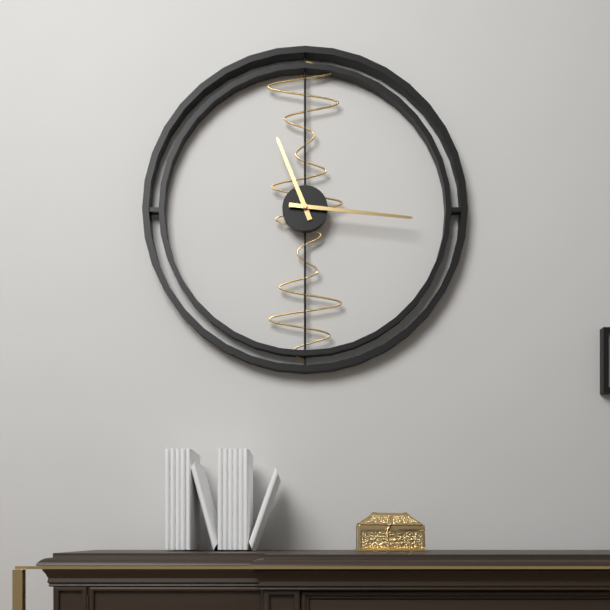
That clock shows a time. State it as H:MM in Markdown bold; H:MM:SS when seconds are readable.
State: **11:16**
